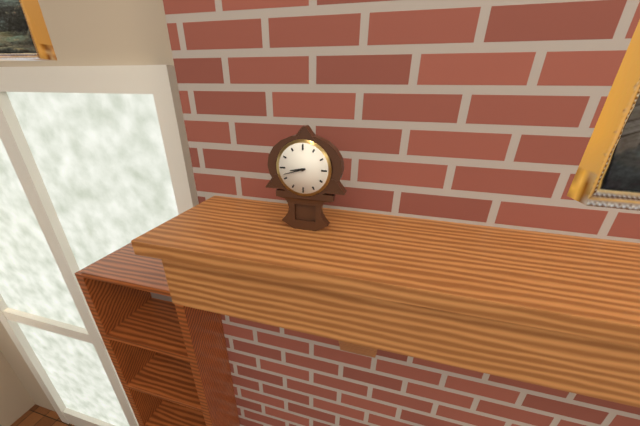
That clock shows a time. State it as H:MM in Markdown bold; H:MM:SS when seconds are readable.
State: **8:42**
